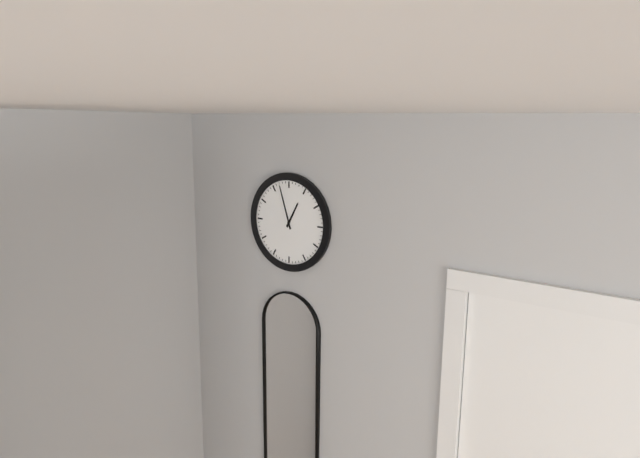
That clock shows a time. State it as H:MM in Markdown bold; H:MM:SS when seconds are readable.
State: **12:57**
